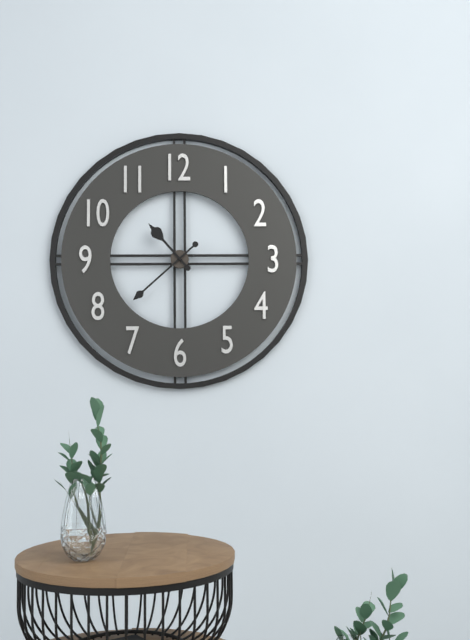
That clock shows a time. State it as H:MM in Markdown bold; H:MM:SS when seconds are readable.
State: **10:38**
